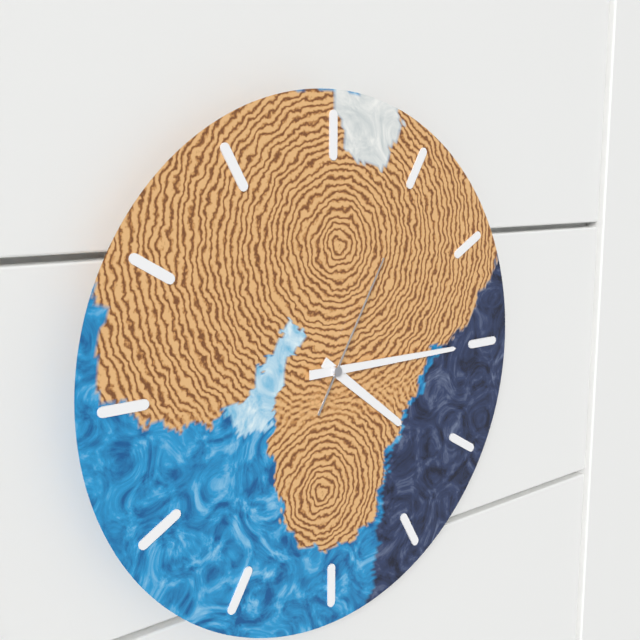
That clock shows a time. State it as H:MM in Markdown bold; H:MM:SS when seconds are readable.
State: **4:15:05**
